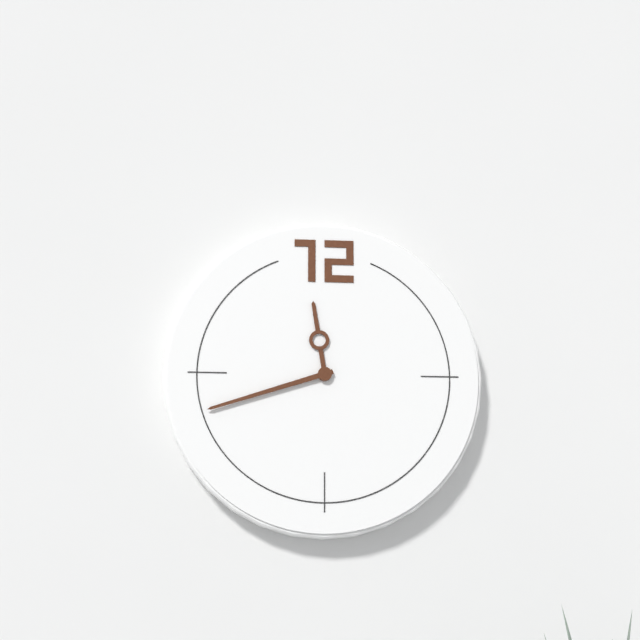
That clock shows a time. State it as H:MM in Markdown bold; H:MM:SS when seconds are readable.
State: **11:42**
